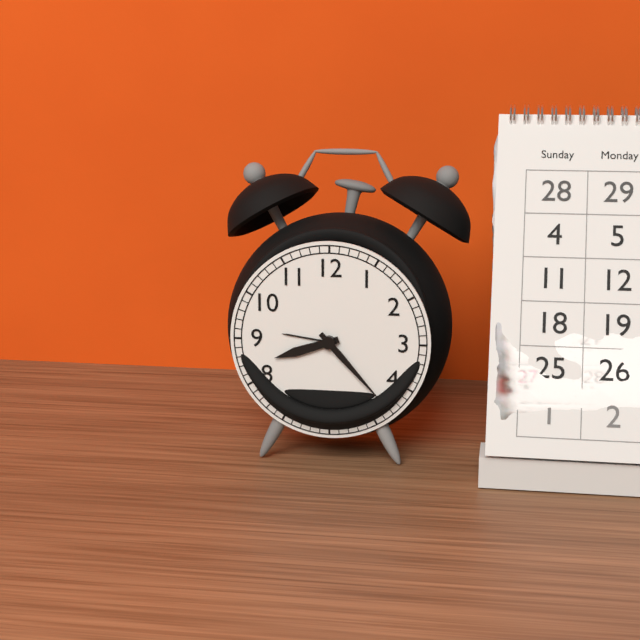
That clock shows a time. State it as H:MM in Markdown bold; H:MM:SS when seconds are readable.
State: **8:23**
